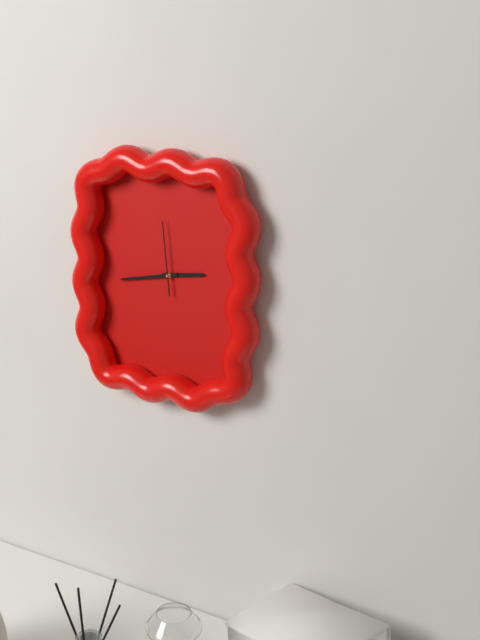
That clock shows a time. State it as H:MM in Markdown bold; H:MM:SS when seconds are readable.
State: **2:43:59**
